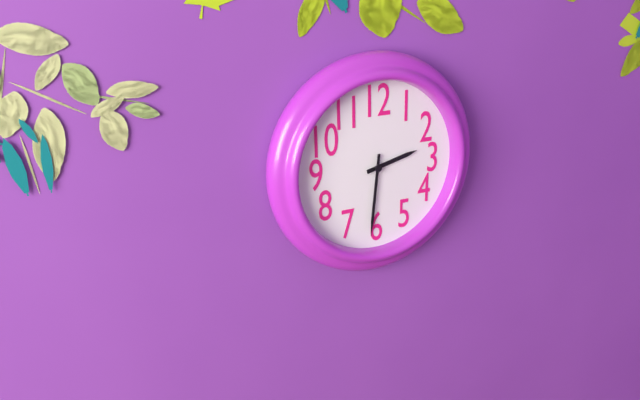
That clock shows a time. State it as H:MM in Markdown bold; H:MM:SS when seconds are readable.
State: **2:31**
